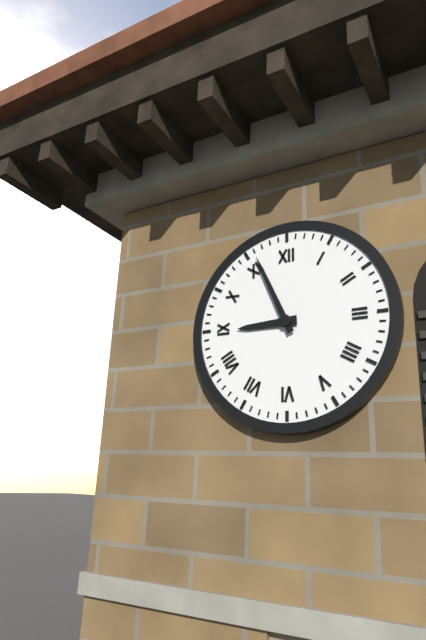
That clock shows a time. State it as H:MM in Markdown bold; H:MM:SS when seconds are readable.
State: **8:56**
